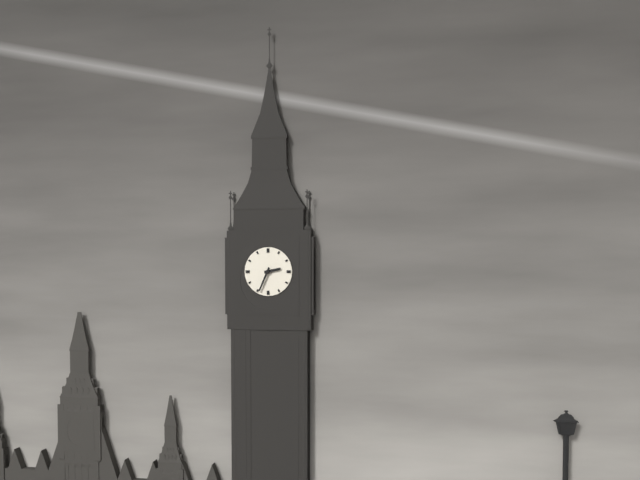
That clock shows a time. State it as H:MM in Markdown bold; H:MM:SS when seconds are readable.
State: **2:34**
